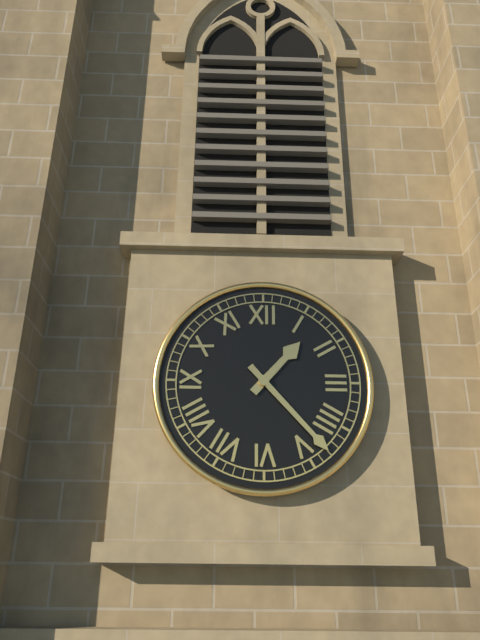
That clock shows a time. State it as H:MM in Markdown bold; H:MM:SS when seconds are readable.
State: **1:23**
